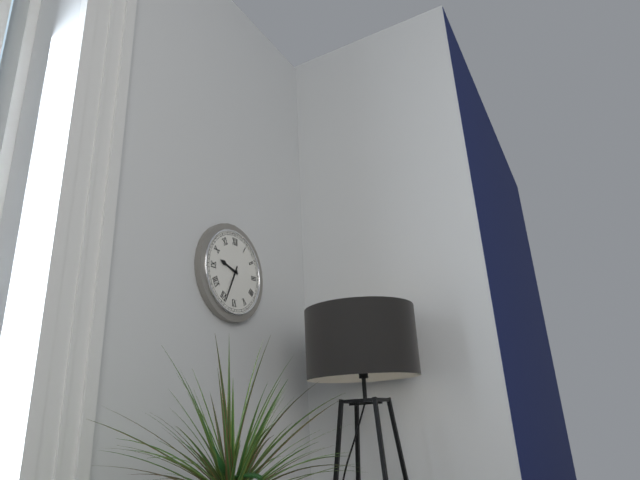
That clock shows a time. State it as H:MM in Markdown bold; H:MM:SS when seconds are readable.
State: **9:34**
